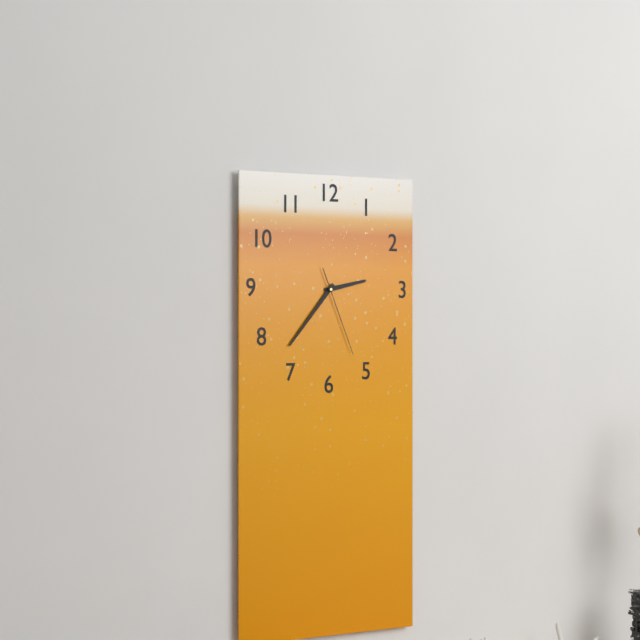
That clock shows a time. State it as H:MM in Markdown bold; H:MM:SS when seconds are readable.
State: **2:37:26**
